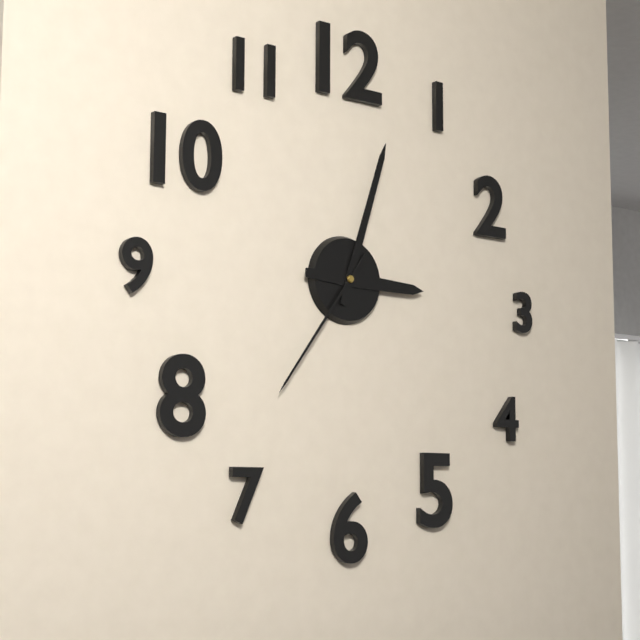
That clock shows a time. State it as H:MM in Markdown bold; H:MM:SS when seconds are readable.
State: **3:03:36**
